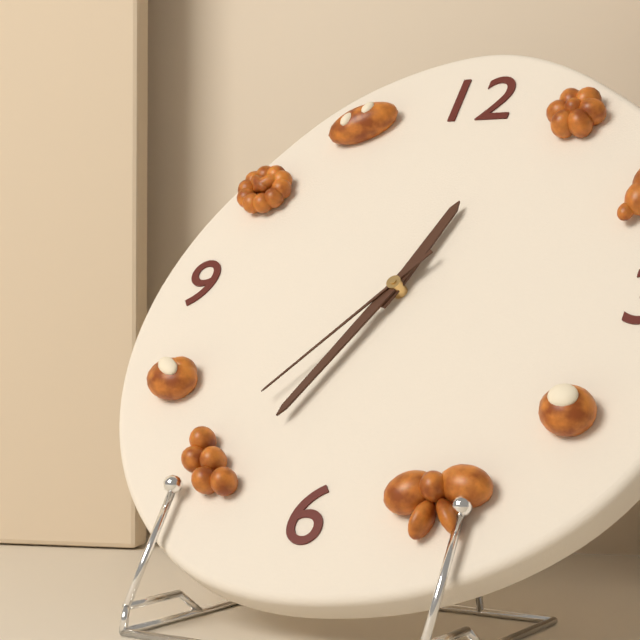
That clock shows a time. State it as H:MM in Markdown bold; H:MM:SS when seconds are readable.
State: **12:34:36**
